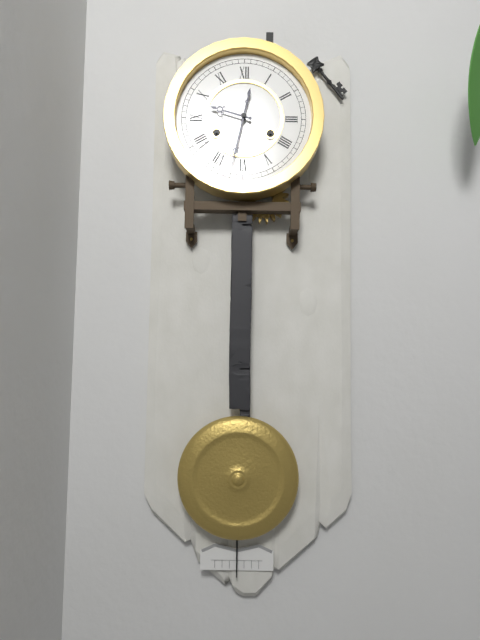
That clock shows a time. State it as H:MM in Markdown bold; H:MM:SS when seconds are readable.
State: **9:32**
